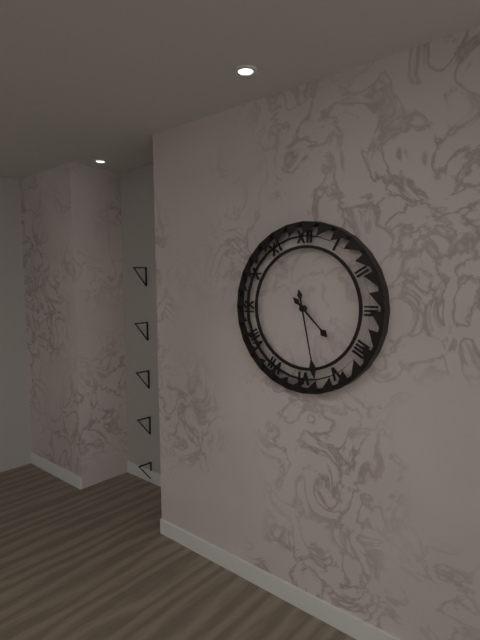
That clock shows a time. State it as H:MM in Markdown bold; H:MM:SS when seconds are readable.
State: **4:28**
